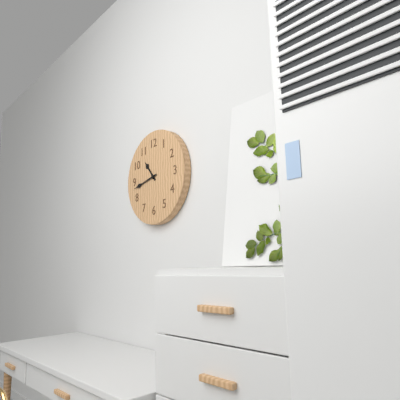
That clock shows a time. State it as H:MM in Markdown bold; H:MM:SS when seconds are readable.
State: **10:43**
